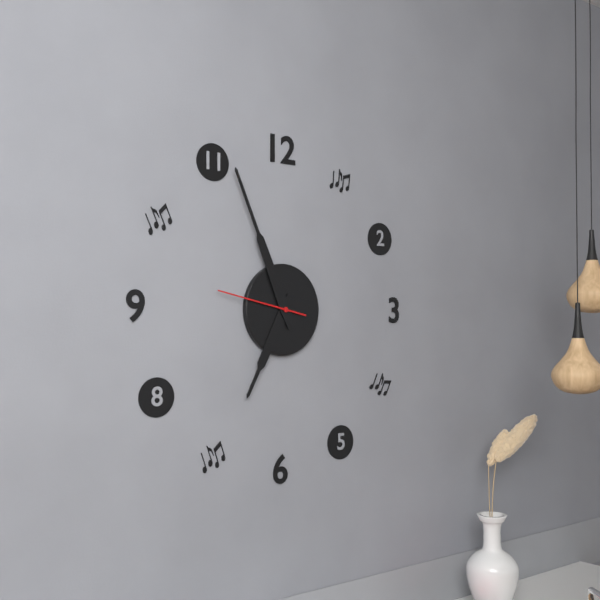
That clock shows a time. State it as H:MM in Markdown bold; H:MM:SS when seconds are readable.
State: **6:56:47**
